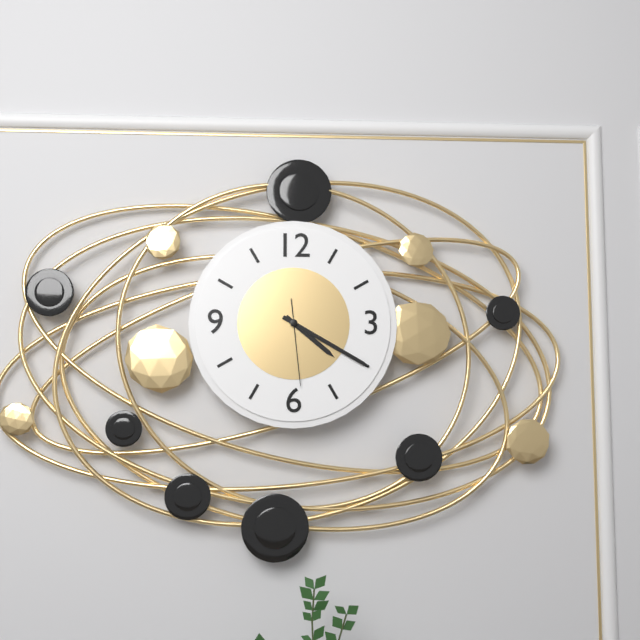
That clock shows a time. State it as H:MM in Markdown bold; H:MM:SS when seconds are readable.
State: **4:20:29**
